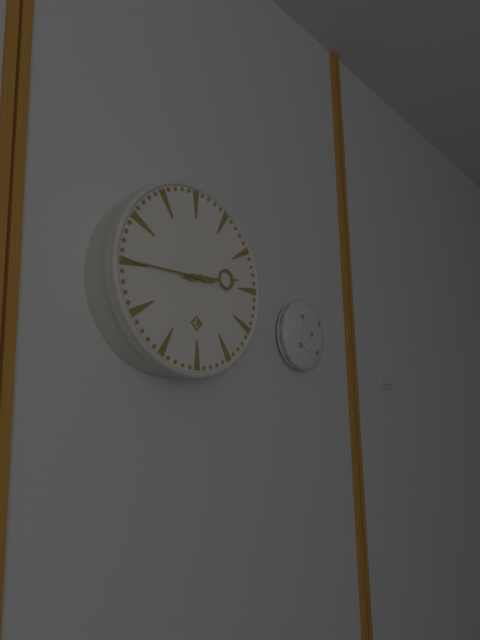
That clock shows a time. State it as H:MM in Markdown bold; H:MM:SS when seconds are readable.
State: **2:45**
